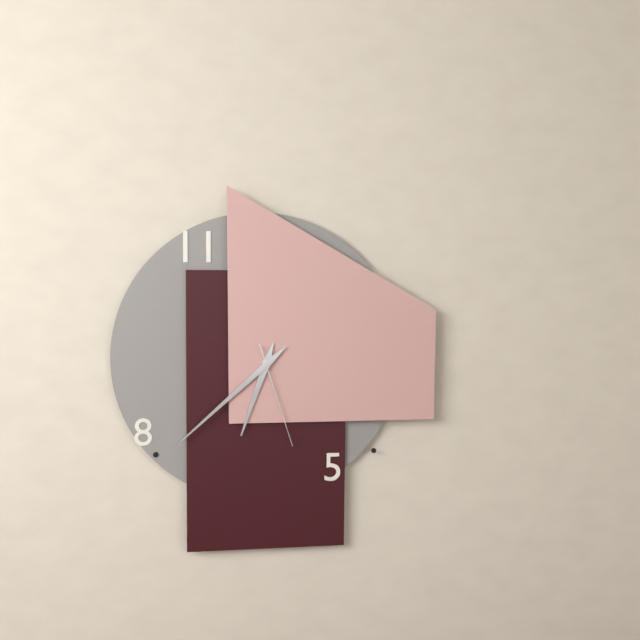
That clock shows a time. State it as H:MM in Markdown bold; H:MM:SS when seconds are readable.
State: **6:38:27**
